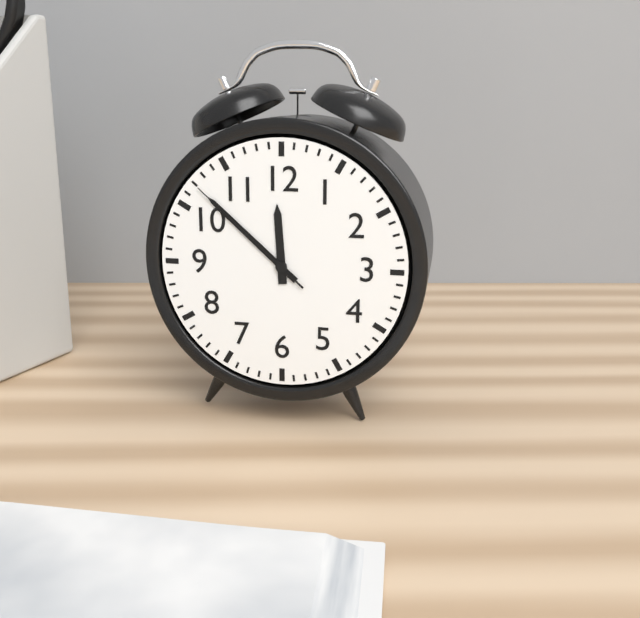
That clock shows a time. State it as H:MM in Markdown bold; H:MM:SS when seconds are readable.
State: **11:52:52**
